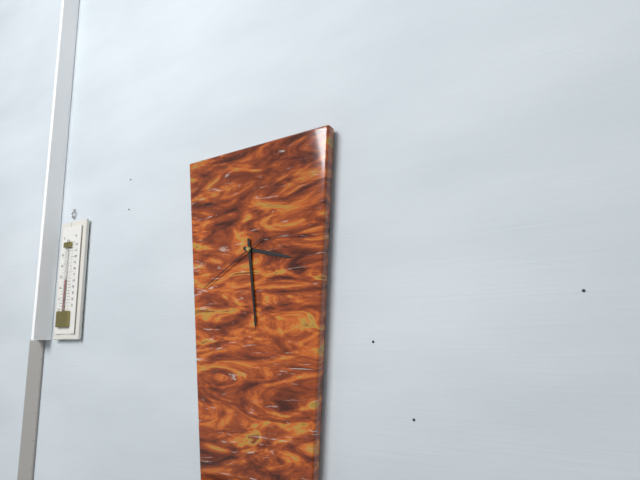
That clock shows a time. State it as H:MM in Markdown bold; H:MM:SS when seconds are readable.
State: **3:29:40**
